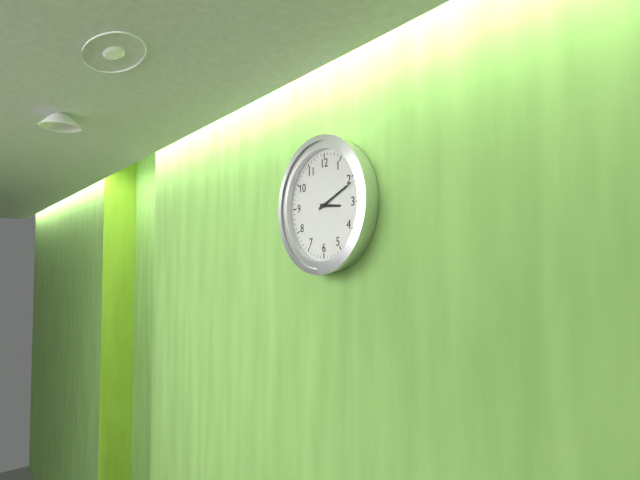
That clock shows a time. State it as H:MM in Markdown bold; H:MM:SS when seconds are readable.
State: **3:11**
